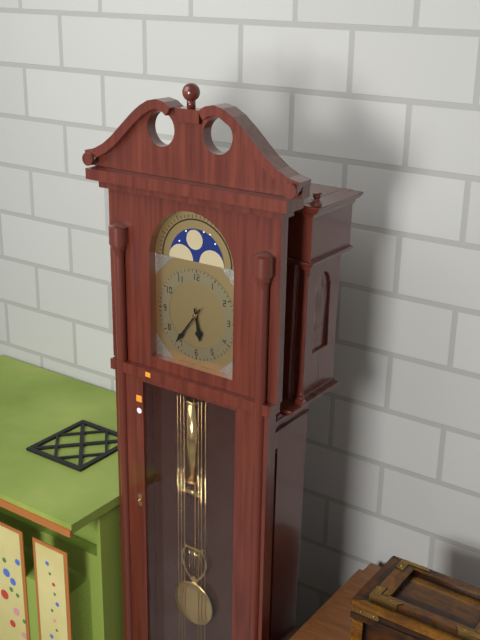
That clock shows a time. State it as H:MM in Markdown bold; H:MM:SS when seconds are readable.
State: **5:36**
